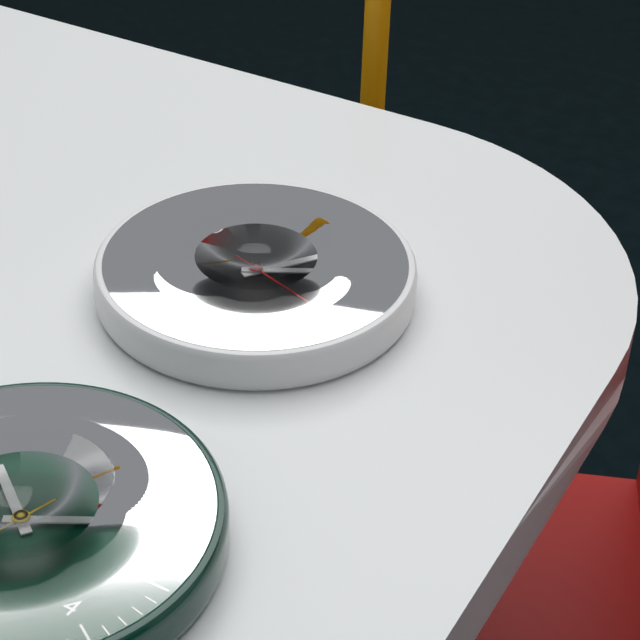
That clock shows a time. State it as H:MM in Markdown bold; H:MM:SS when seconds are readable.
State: **1:10:18**
